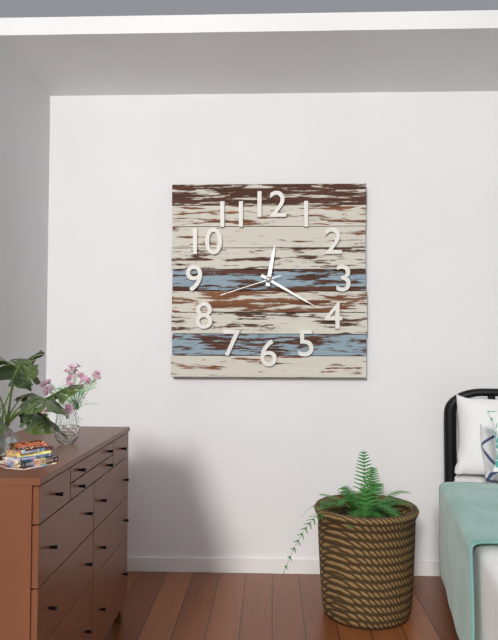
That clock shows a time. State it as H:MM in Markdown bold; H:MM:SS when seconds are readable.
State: **12:20:42**
